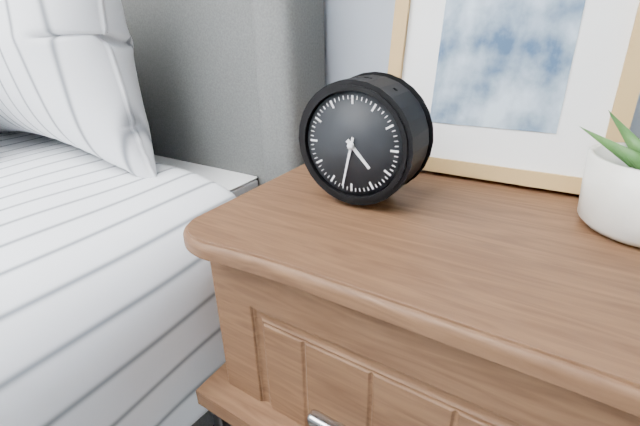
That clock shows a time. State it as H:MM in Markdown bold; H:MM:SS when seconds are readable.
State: **4:32**
